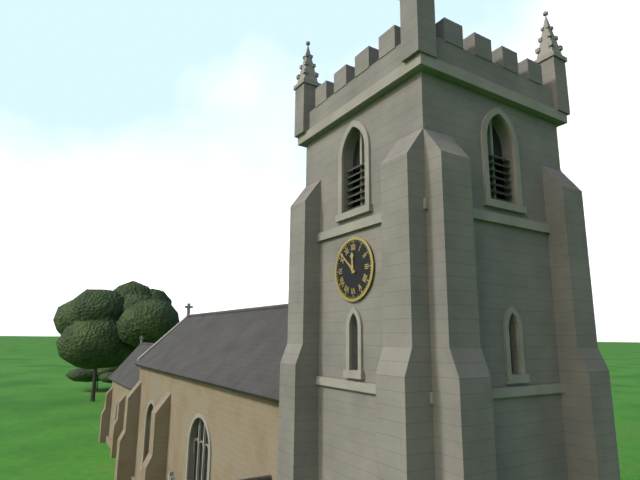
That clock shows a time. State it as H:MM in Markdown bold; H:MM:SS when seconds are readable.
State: **11:52**
